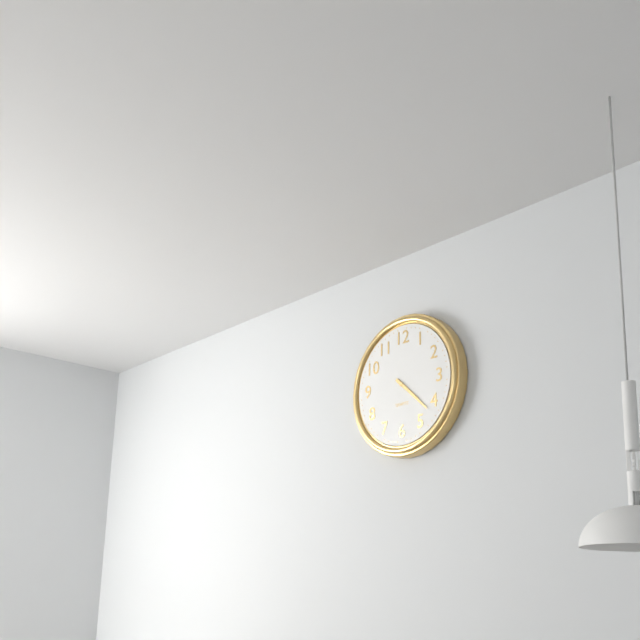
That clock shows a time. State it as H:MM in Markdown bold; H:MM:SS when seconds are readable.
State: **4:22**
